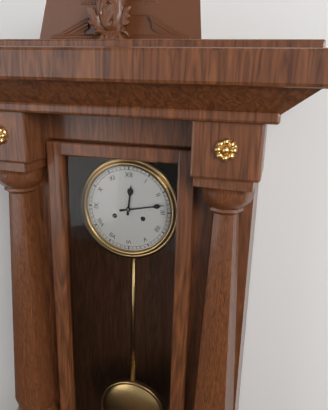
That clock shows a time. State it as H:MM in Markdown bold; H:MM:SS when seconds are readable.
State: **12:13**
